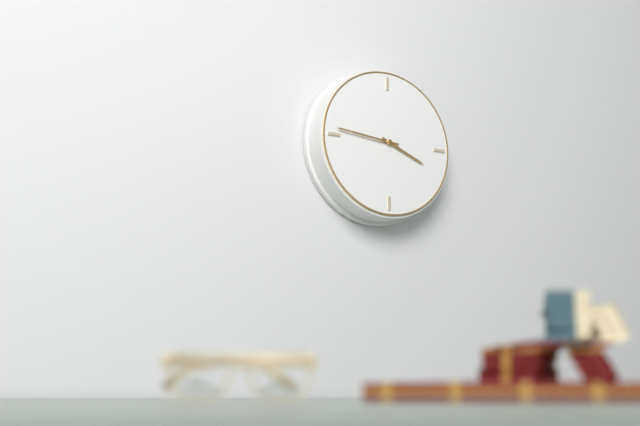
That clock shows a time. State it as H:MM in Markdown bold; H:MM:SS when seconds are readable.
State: **3:46**
